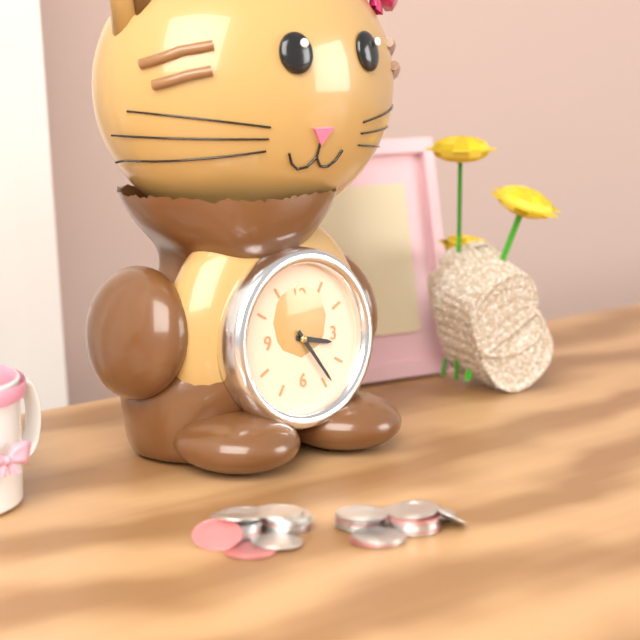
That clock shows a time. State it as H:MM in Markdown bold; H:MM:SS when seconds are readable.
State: **3:24**
